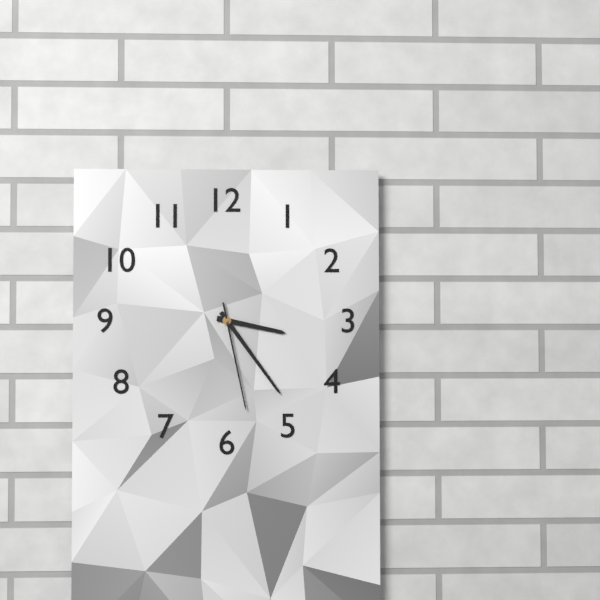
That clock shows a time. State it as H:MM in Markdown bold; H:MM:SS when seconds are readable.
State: **3:24:28**
